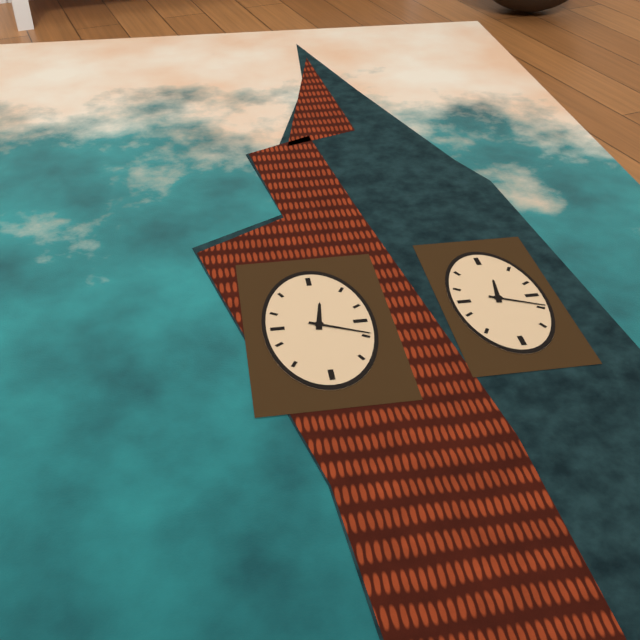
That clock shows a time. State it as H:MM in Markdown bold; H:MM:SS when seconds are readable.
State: **12:19**
